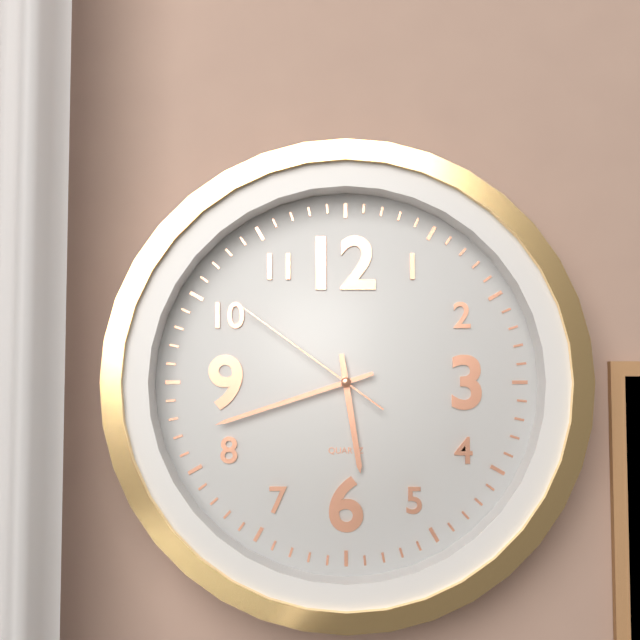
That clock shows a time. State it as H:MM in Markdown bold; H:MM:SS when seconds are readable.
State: **5:42:51**
